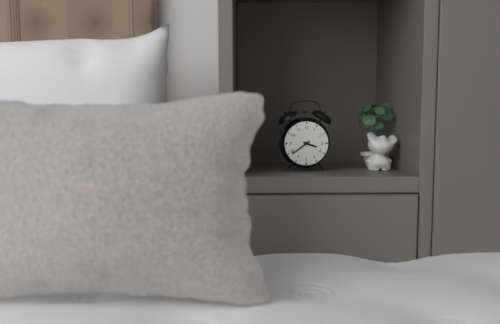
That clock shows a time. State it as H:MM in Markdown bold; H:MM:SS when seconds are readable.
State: **3:39**
